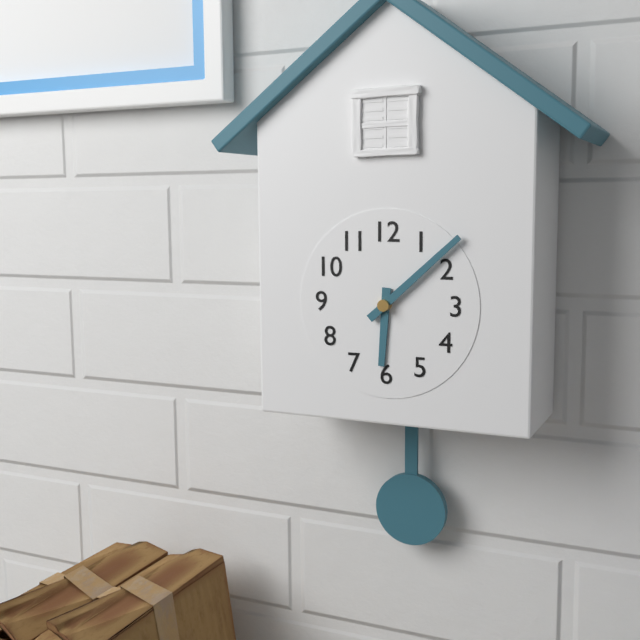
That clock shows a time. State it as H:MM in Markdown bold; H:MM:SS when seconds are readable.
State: **6:08**
